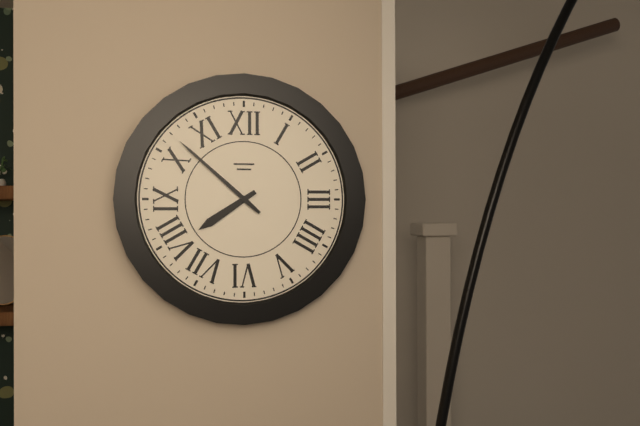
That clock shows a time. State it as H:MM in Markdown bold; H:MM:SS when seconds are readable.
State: **7:52**
